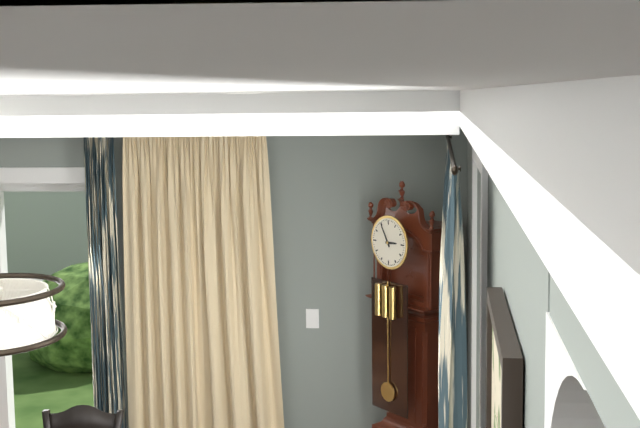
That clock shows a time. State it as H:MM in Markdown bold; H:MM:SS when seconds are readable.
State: **2:55**
